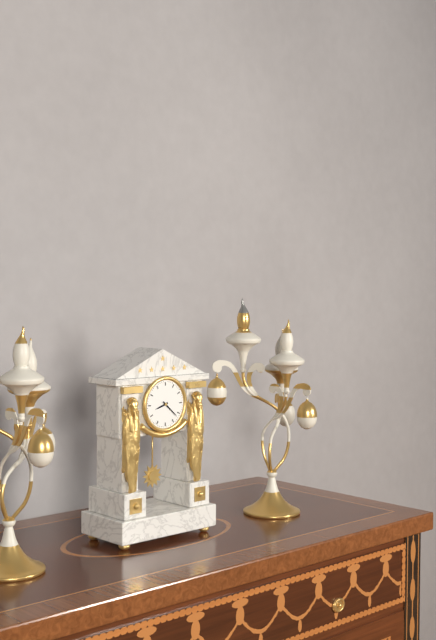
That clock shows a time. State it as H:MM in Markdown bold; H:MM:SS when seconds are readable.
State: **8:22**
